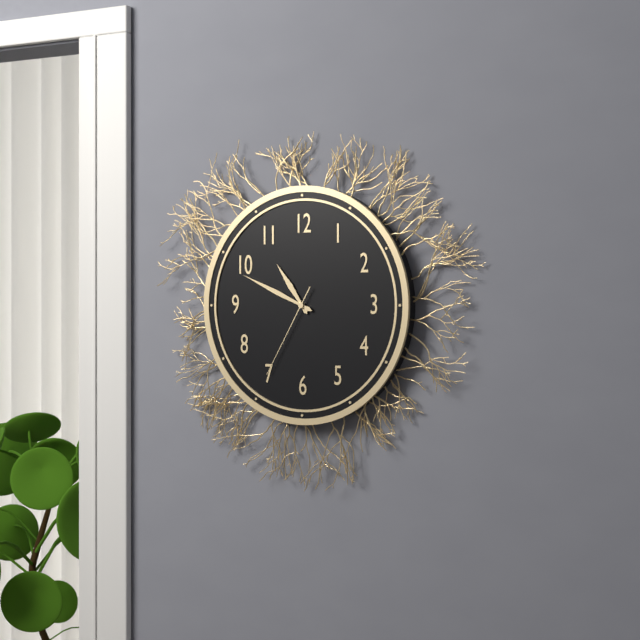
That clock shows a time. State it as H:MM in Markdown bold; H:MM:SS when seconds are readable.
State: **10:49:35**
